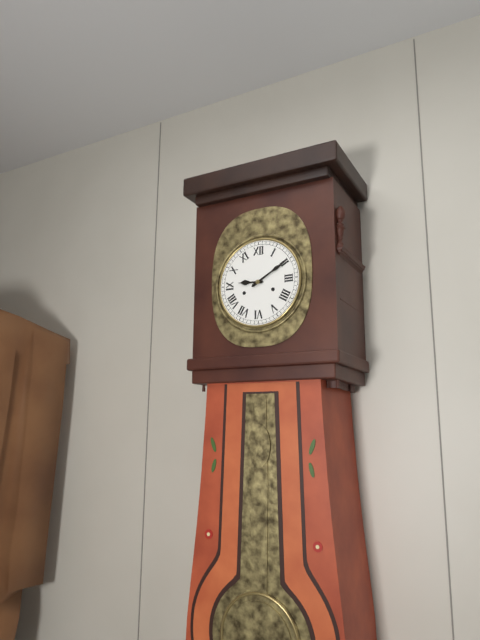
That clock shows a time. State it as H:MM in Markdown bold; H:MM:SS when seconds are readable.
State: **9:10**
